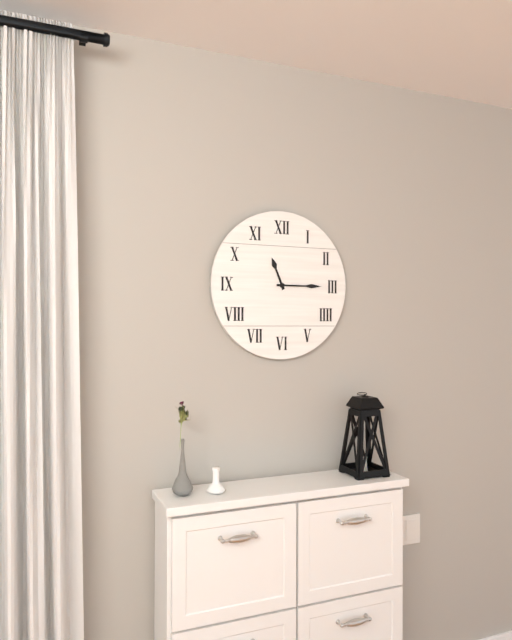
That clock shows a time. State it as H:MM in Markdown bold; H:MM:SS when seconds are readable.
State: **11:15**
